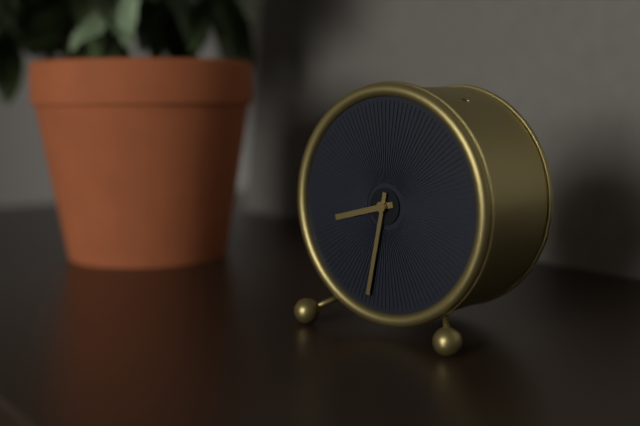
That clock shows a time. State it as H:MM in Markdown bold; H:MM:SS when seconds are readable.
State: **8:32**
